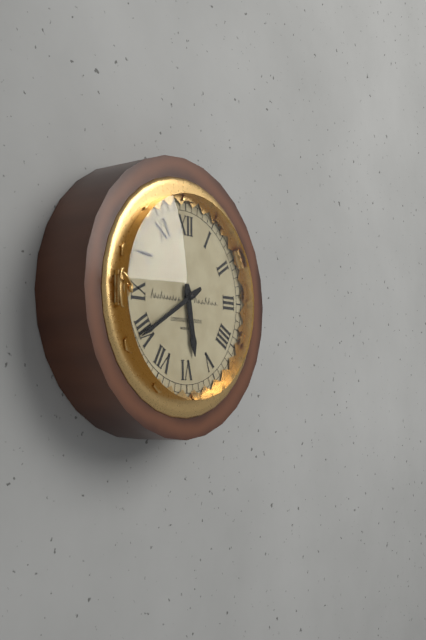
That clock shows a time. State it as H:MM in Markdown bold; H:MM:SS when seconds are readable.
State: **5:40**
